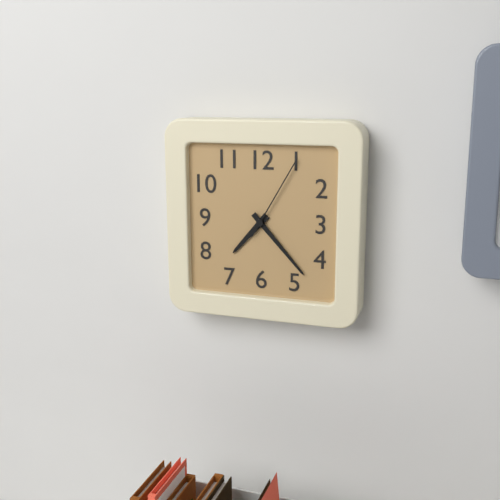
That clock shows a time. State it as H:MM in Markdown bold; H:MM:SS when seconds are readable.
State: **7:23:05**
